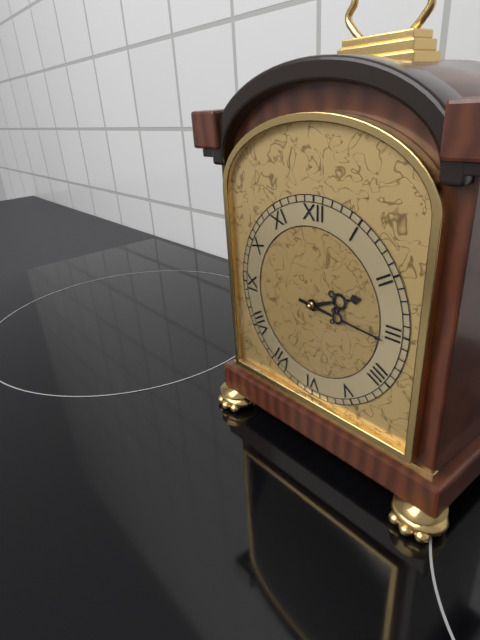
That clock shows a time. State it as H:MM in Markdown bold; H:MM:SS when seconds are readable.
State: **2:16**
